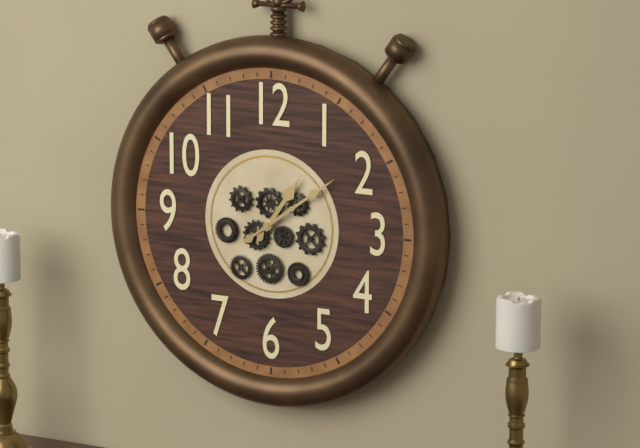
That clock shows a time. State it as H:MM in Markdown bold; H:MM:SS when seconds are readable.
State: **1:09**
